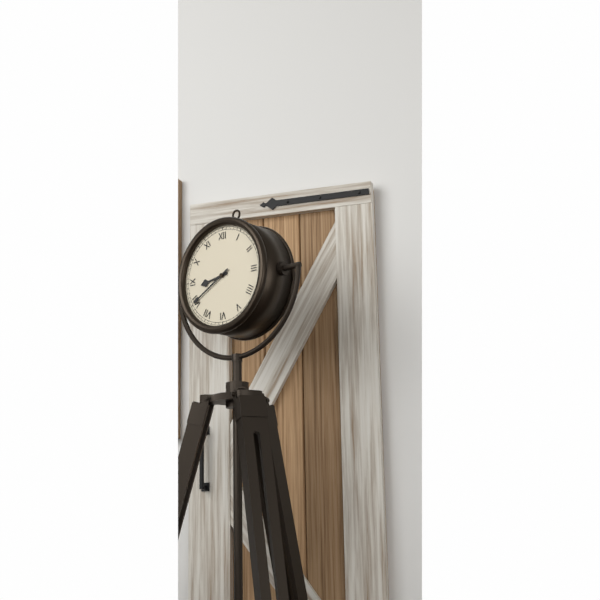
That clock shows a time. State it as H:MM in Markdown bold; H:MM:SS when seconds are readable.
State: **8:40**
